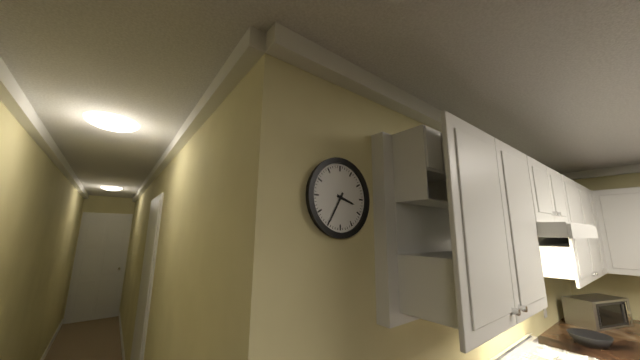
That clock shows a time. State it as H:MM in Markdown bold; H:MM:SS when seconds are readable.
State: **3:35**
